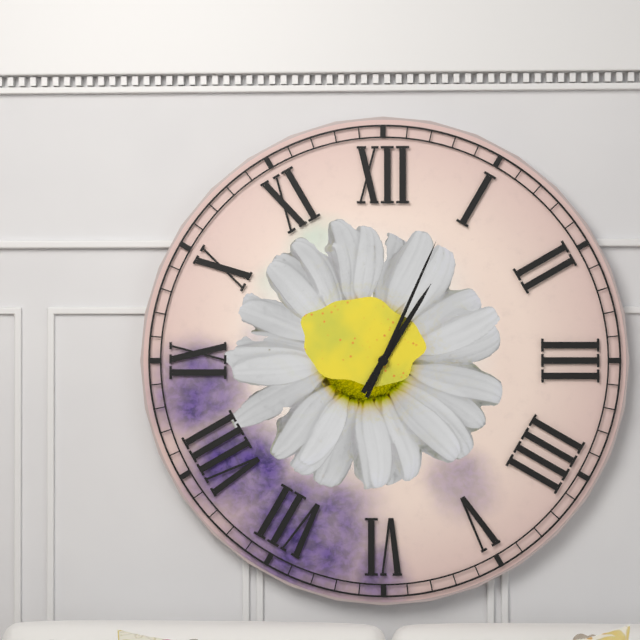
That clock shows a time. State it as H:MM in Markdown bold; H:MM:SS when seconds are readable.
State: **1:04**
